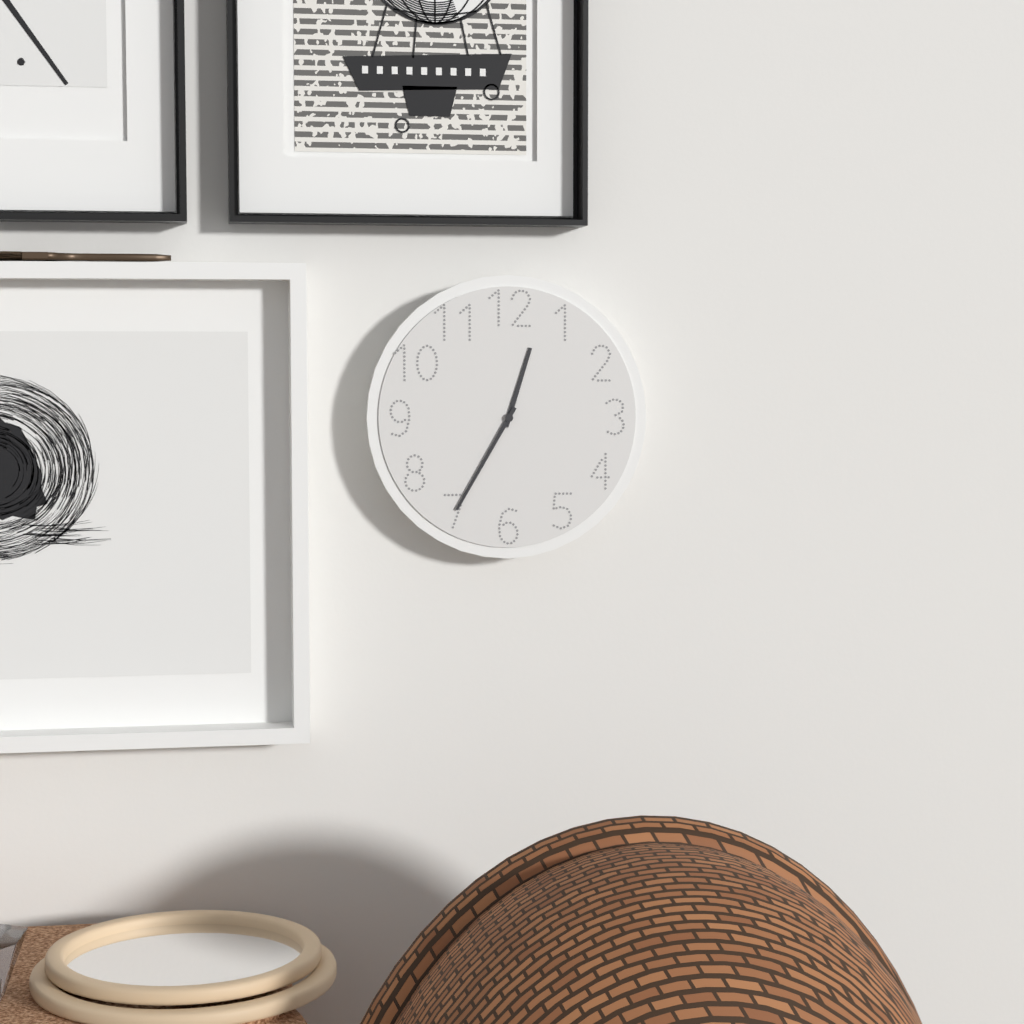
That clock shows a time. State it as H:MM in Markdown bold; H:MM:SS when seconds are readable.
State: **12:35**
